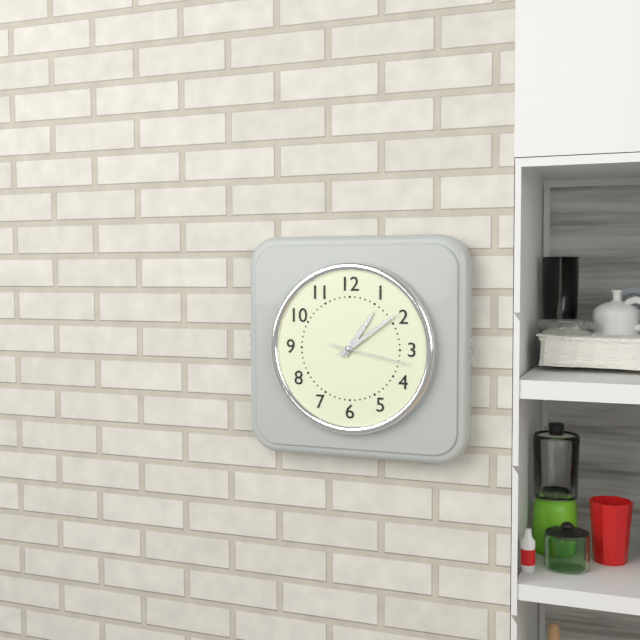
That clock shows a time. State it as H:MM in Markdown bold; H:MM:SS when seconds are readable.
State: **1:09:17**
